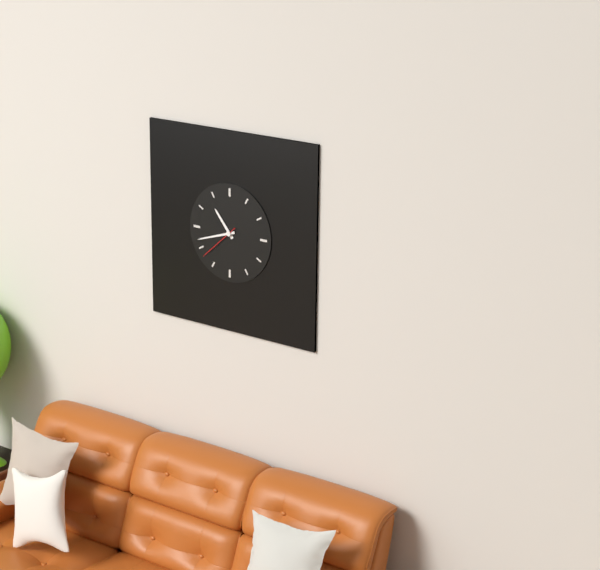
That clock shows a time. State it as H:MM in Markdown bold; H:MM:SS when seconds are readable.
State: **10:42**
